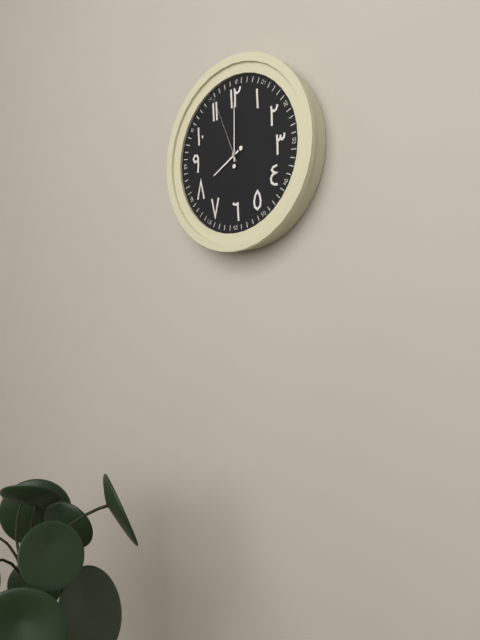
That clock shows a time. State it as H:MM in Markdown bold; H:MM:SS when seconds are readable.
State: **8:00:56**
